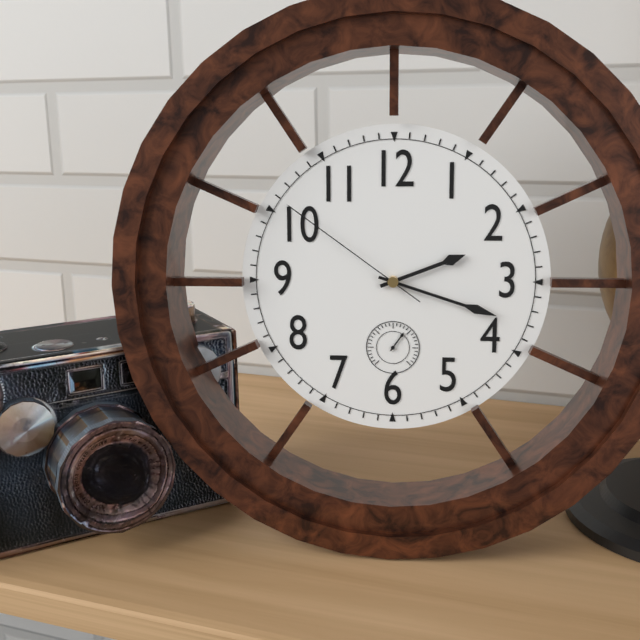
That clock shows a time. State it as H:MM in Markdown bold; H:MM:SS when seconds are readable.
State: **2:18:51**
